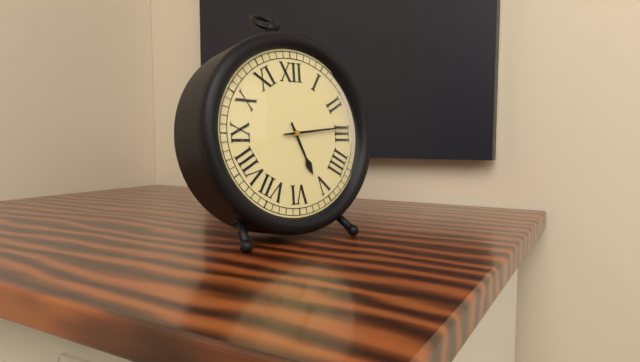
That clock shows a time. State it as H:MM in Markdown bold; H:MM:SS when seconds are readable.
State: **5:14**
